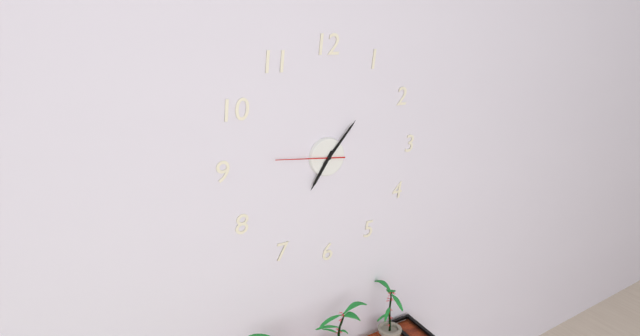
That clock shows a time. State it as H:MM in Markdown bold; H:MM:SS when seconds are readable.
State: **7:07:46**
